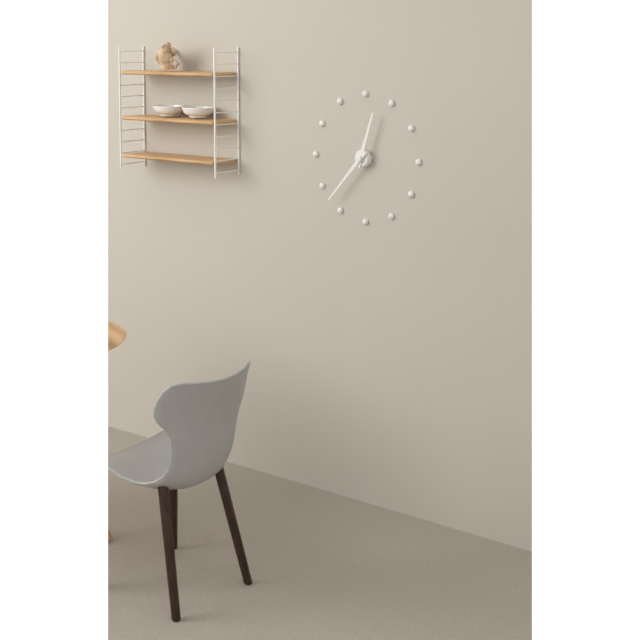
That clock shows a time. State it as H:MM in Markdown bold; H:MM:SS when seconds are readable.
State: **12:37**
